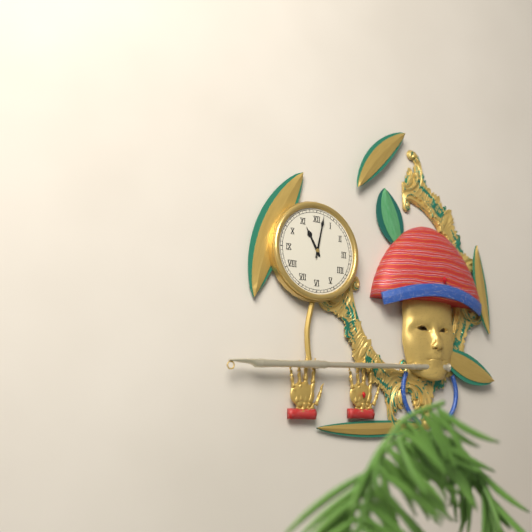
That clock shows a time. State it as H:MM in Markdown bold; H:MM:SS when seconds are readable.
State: **11:02**
